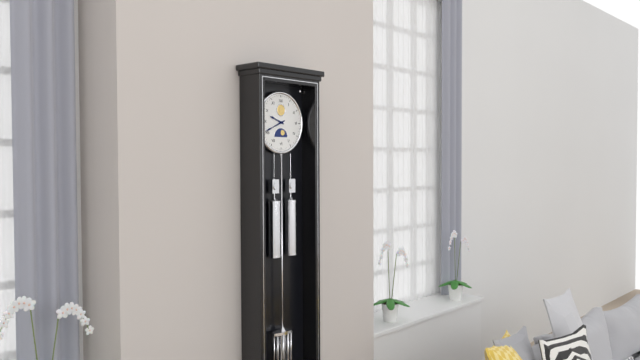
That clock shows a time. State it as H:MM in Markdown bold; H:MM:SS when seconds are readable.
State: **9:41**
